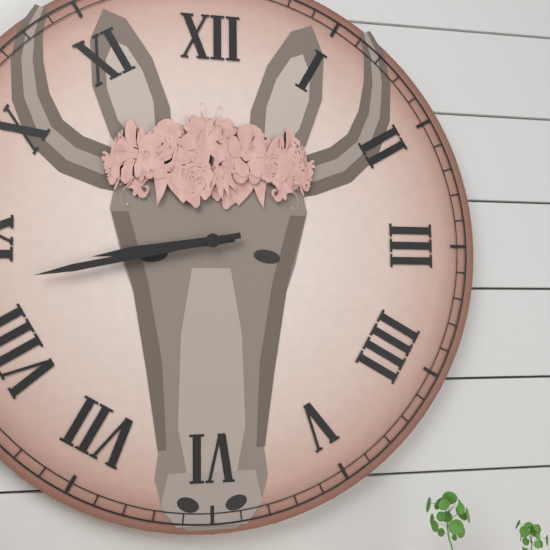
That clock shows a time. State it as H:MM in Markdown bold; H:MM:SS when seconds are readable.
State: **8:43**
